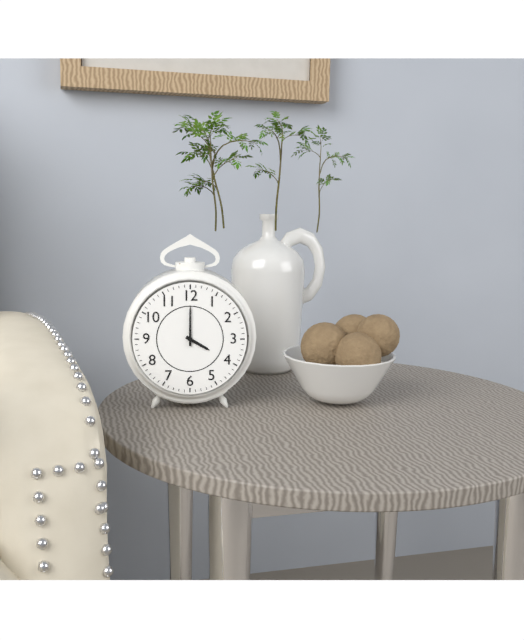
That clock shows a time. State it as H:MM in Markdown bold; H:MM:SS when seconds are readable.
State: **4:00**
